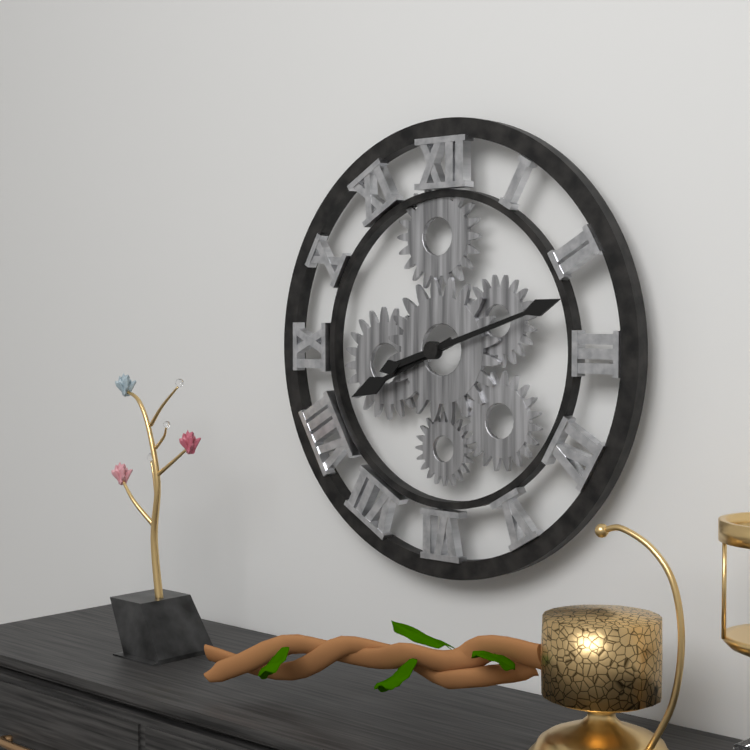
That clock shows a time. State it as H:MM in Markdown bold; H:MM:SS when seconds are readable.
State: **8:12**
